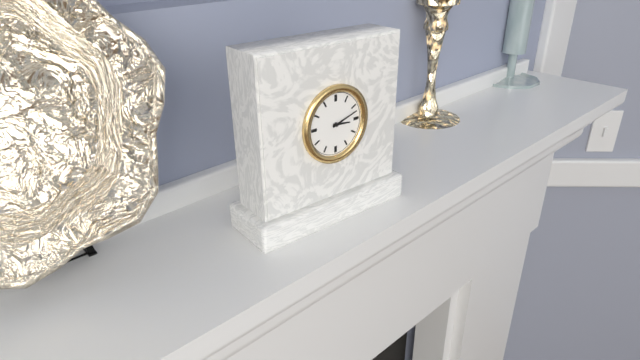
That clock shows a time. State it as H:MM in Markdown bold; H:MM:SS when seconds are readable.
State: **3:12**
